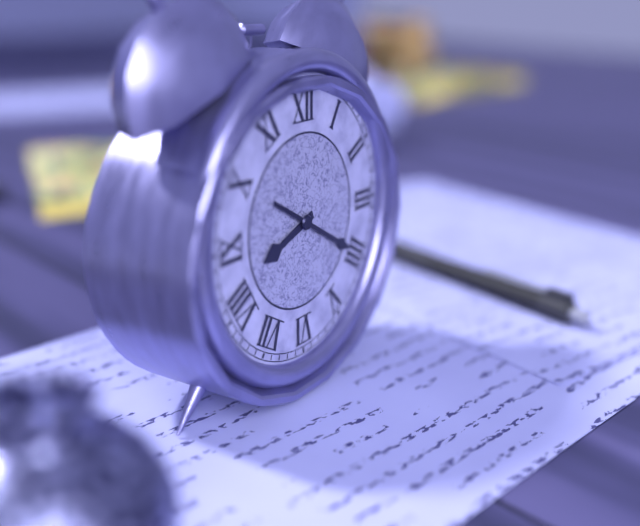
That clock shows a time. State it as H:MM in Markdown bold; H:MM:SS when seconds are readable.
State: **8:20**
